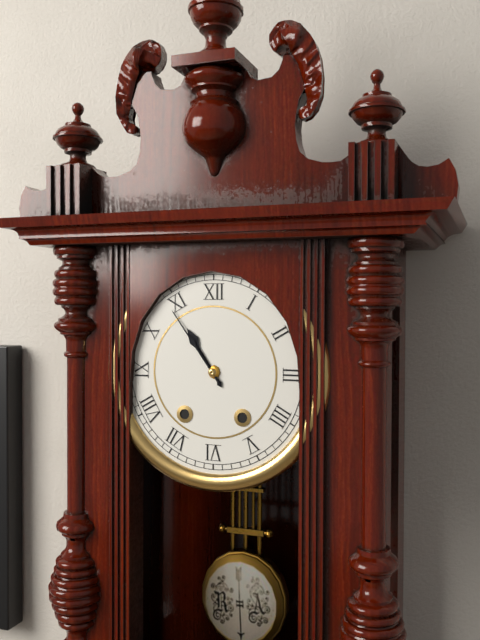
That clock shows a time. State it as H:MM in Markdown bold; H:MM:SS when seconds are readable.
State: **10:54**
